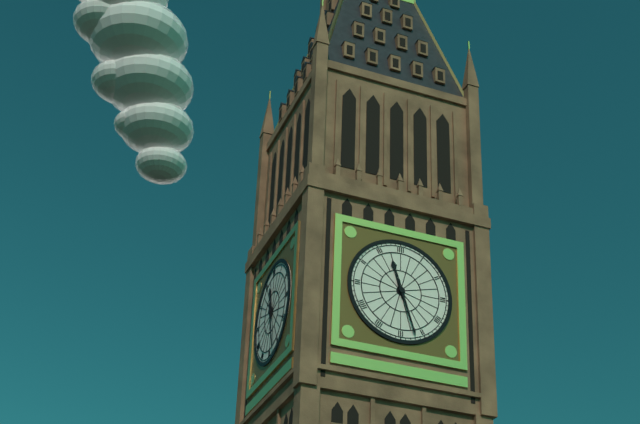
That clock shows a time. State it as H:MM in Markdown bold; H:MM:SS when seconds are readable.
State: **11:27**
